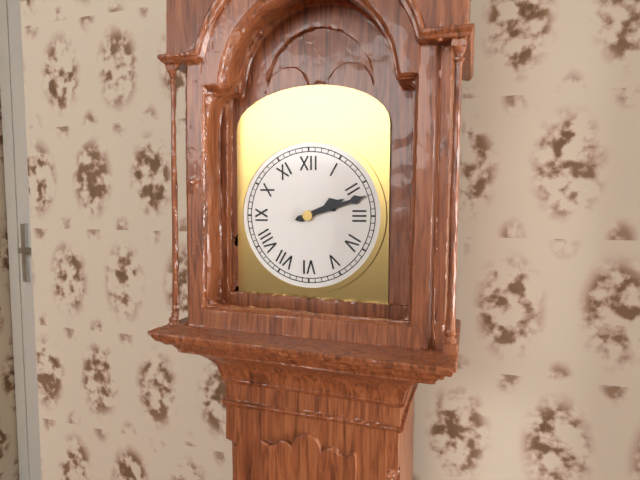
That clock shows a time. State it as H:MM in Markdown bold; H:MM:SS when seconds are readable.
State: **2:12**
